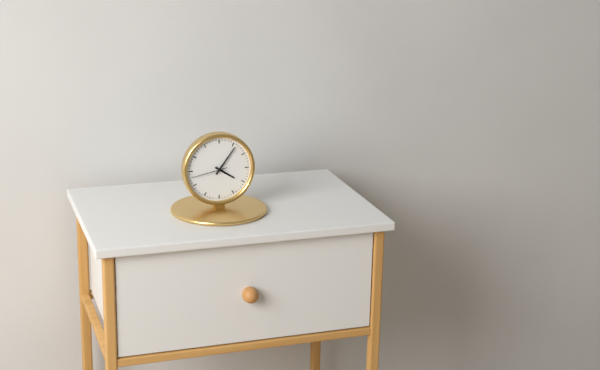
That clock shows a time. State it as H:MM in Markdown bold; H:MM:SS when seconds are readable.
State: **4:06**
